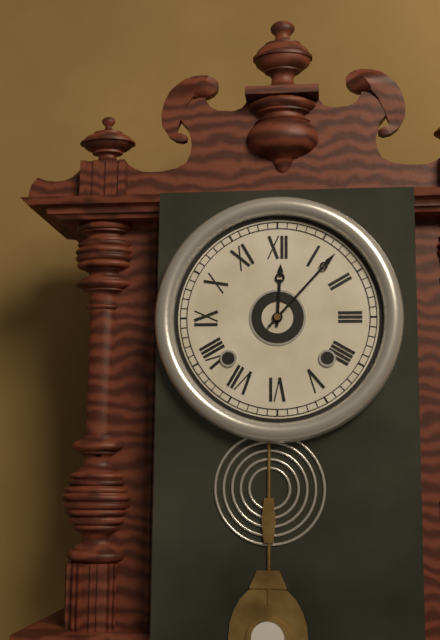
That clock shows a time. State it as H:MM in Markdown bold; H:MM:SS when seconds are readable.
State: **12:07**
